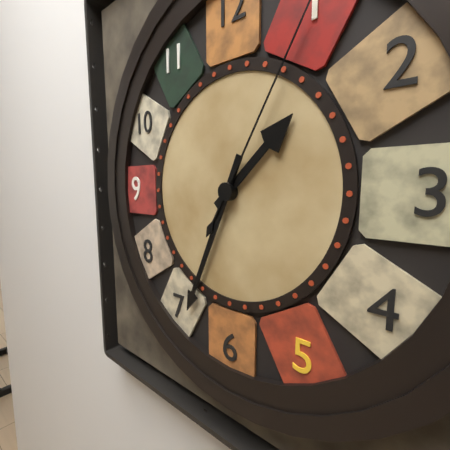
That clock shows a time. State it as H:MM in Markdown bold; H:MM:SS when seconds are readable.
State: **1:34**
